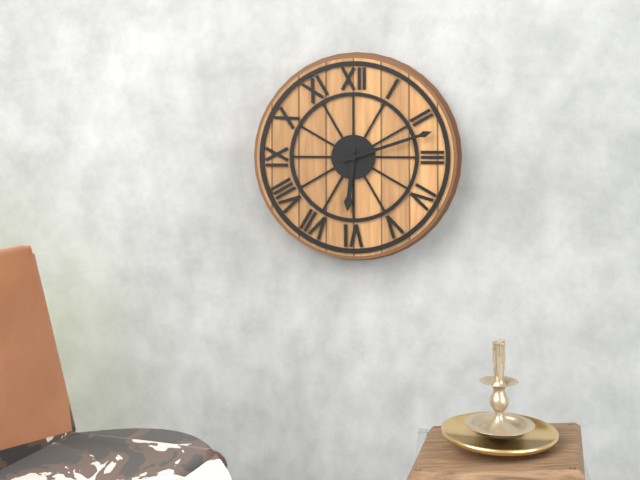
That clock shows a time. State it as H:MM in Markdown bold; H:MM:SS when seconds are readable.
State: **6:12**
